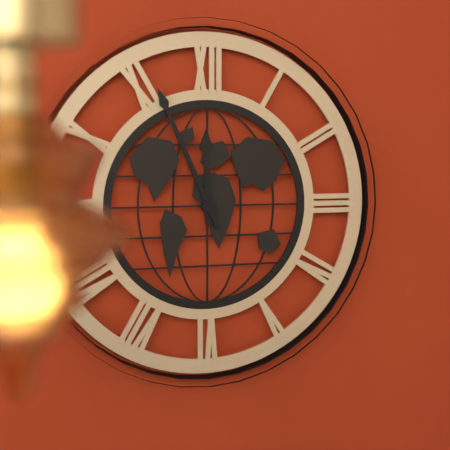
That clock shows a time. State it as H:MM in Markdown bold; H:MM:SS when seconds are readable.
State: **11:56**
